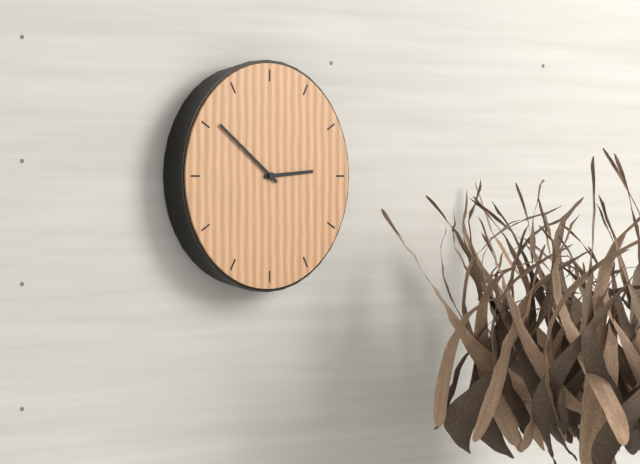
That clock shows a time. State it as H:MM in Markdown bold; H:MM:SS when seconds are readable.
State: **2:51**
